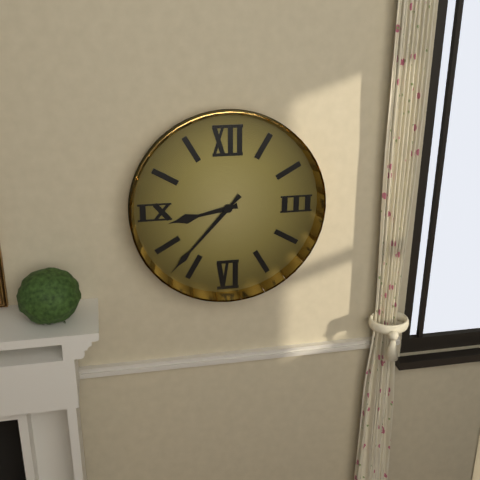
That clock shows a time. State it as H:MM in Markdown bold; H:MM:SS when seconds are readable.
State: **8:37**
